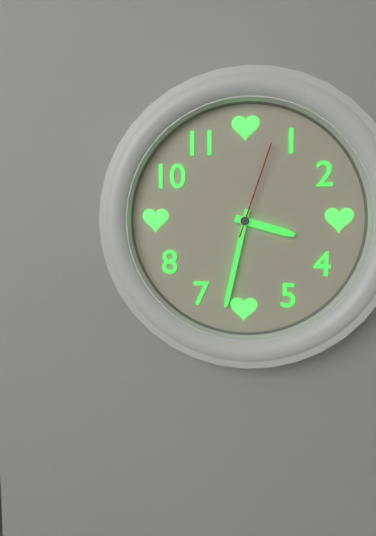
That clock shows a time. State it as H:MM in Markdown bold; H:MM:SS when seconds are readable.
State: **3:32:03**
